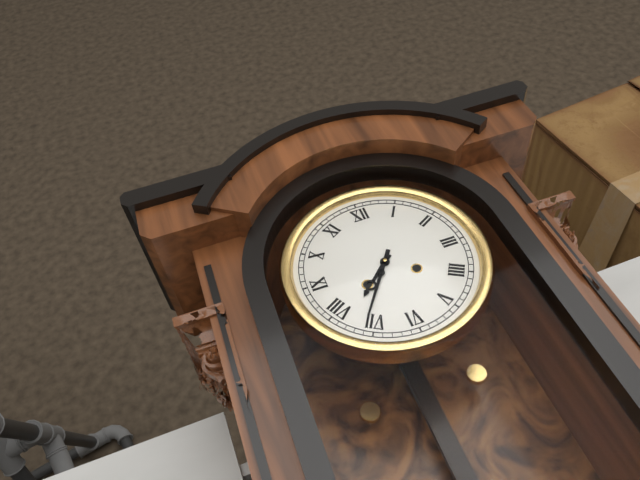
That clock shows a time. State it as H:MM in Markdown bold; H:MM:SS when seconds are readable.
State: **7:36**
